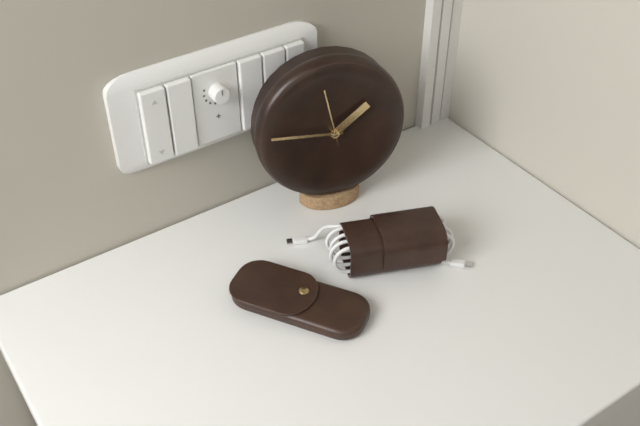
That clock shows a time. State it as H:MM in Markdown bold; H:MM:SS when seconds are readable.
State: **1:46:58**
